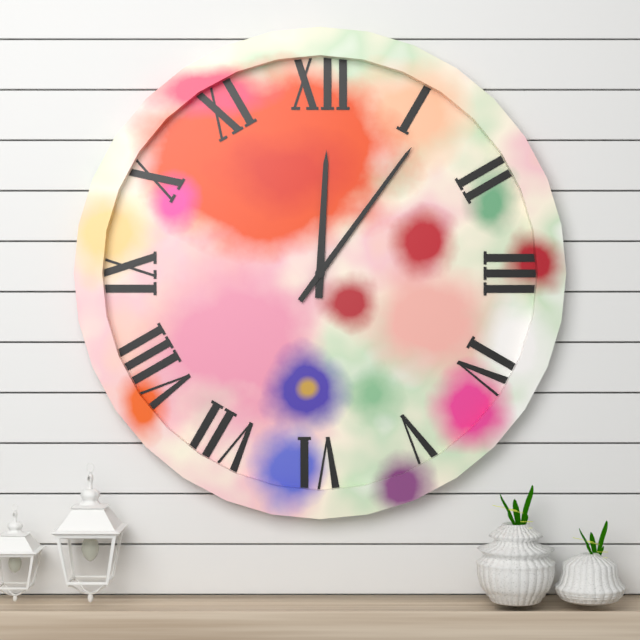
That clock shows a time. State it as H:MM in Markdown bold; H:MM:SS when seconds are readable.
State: **12:06**
